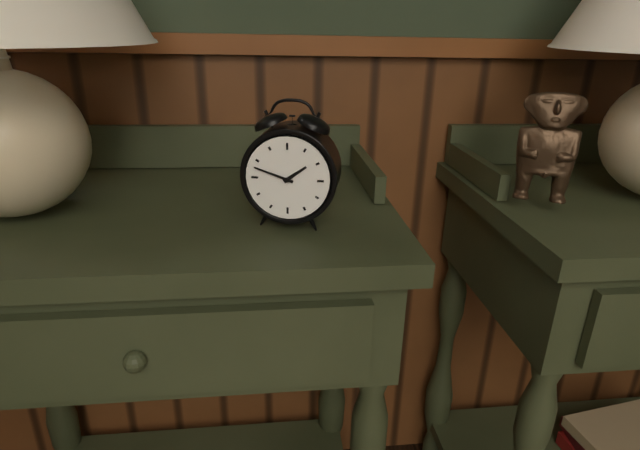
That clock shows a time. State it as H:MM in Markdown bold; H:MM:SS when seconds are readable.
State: **1:48**
